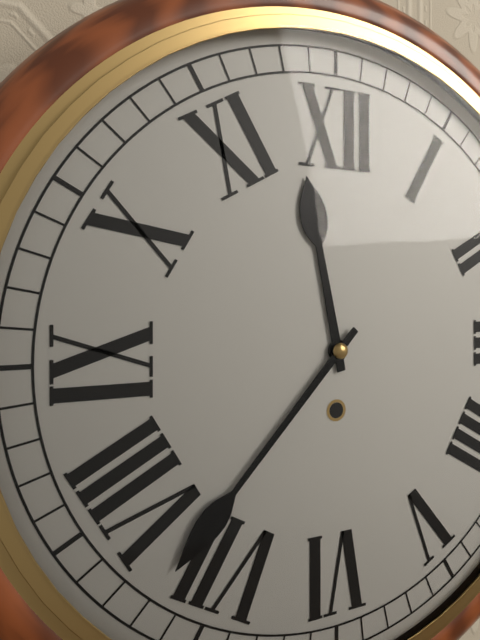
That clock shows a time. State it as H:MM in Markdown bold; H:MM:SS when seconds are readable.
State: **11:37**
